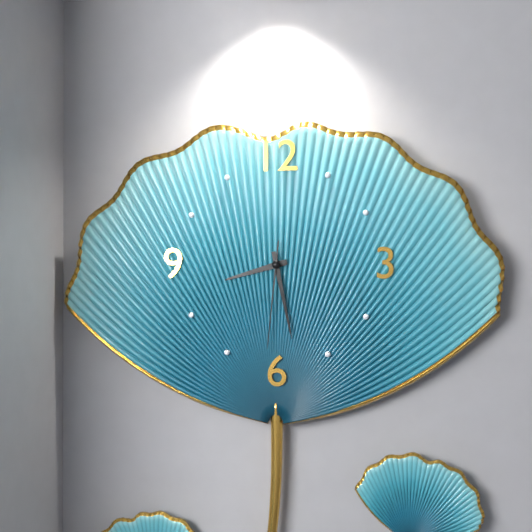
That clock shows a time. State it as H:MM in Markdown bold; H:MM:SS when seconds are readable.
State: **8:28:31**
